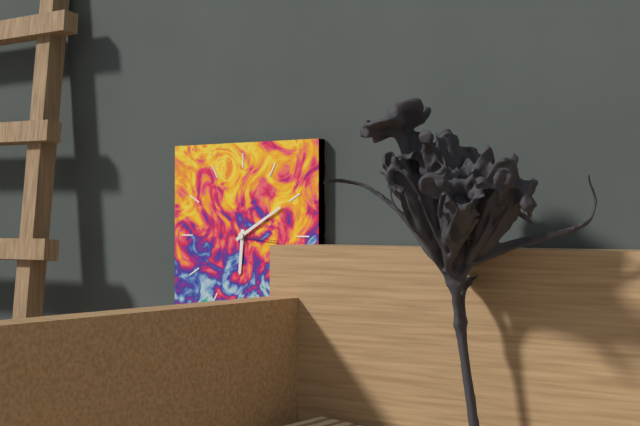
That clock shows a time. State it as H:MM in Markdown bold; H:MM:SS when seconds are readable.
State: **6:10**
